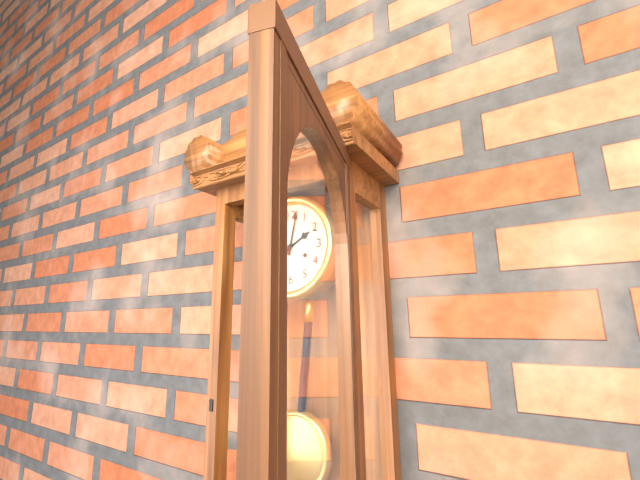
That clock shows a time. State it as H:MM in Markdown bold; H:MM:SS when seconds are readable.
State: **2:02**
